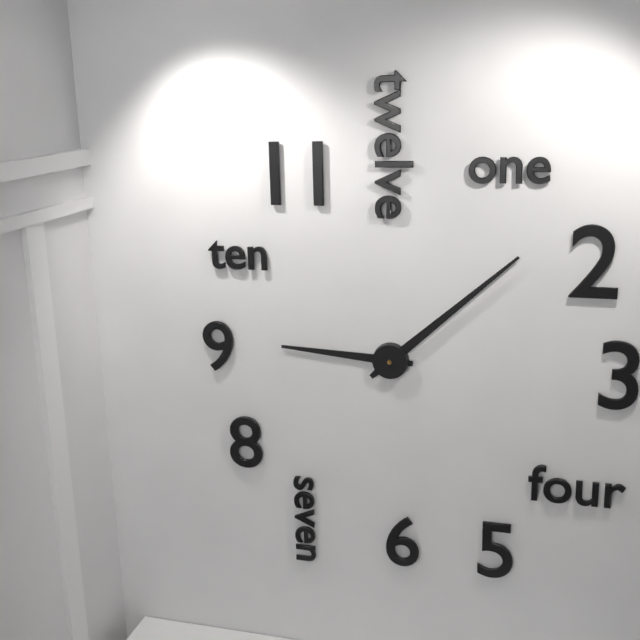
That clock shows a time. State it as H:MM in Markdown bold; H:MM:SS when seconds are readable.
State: **9:08**
